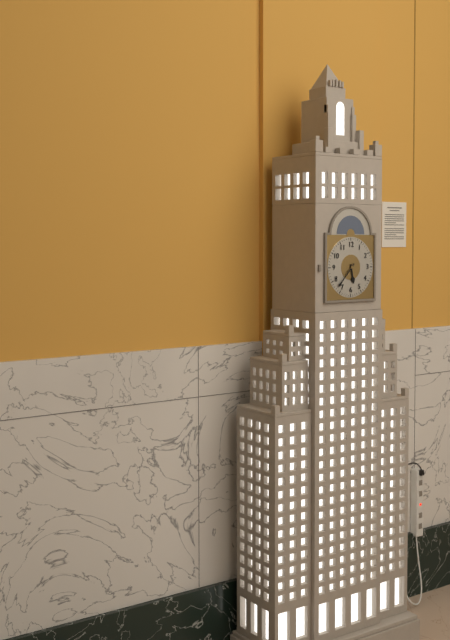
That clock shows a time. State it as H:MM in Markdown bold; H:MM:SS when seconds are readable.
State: **5:37**
